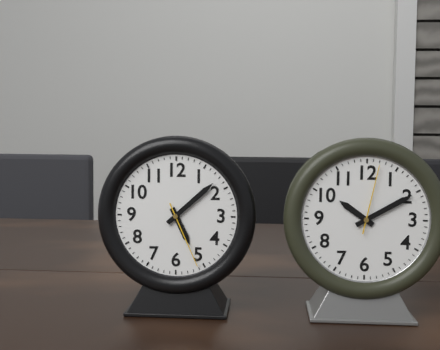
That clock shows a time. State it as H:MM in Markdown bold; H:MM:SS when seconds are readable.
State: **5:08:26**
